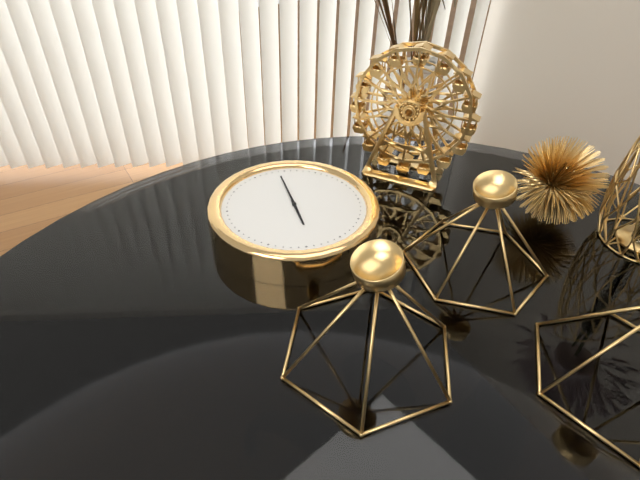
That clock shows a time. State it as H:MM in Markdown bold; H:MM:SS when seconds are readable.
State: **3:49**
